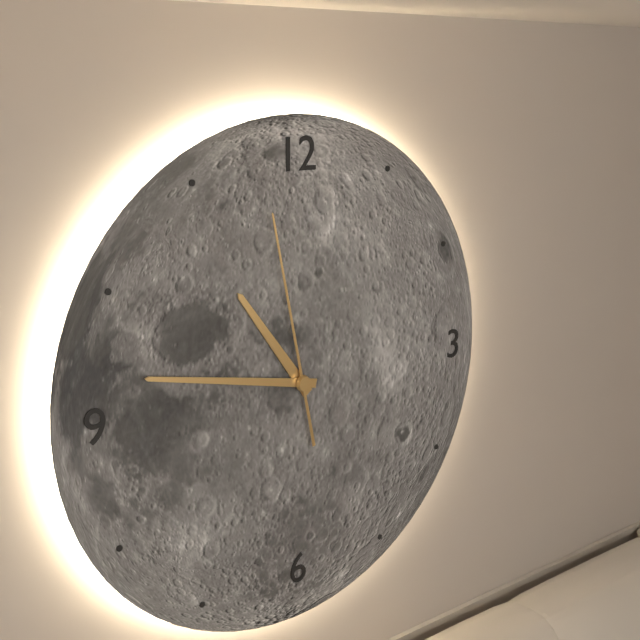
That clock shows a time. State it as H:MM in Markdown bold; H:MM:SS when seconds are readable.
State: **10:47:58**
